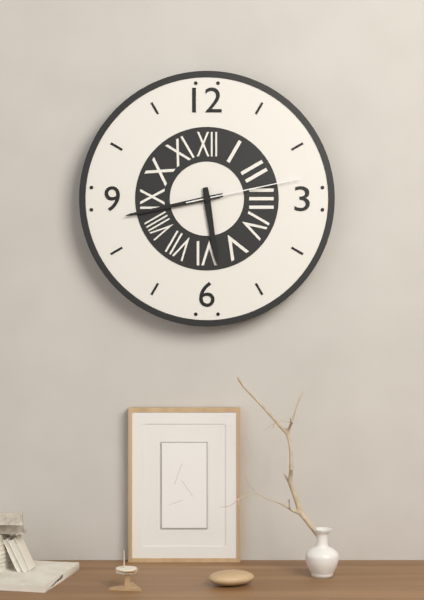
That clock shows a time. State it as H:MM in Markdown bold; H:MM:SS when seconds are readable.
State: **5:43:13**
